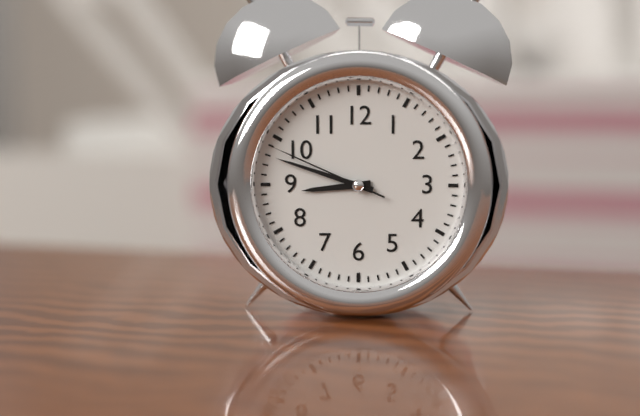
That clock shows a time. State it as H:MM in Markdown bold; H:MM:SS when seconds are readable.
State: **8:48:49**
